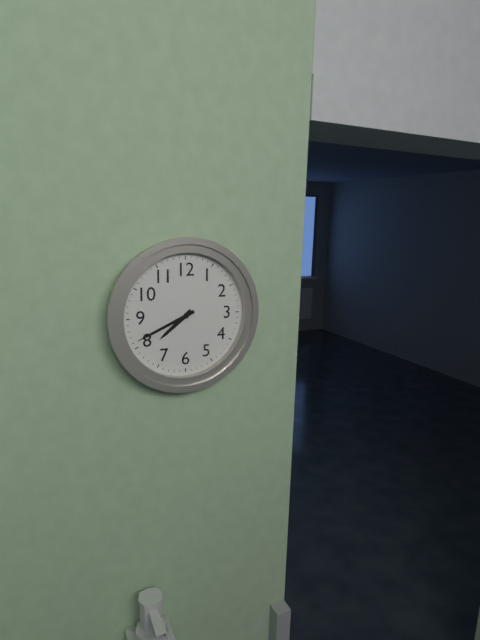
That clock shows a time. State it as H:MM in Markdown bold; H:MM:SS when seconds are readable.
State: **7:41**
